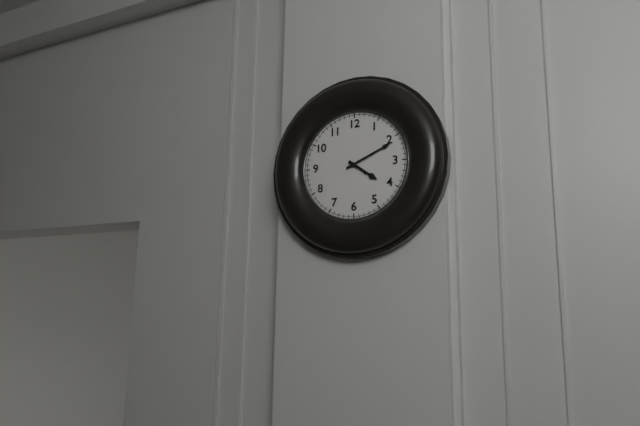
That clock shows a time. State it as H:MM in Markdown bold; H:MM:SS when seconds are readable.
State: **4:11**
